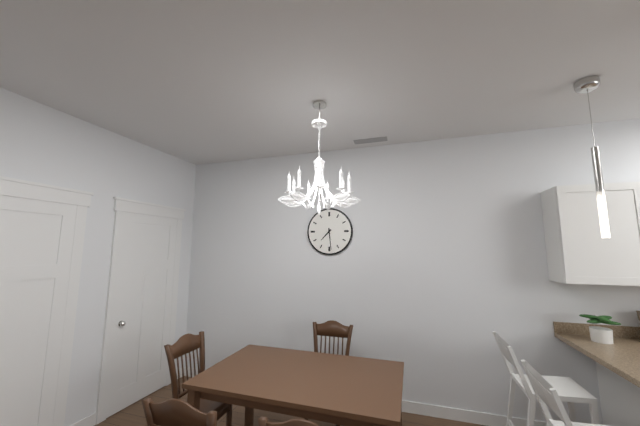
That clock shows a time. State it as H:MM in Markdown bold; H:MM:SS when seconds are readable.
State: **7:29**
